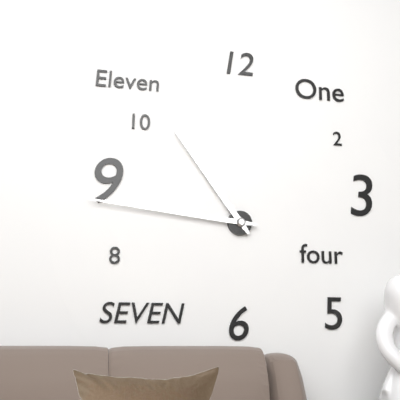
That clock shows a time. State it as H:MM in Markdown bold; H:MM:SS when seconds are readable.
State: **10:46**
